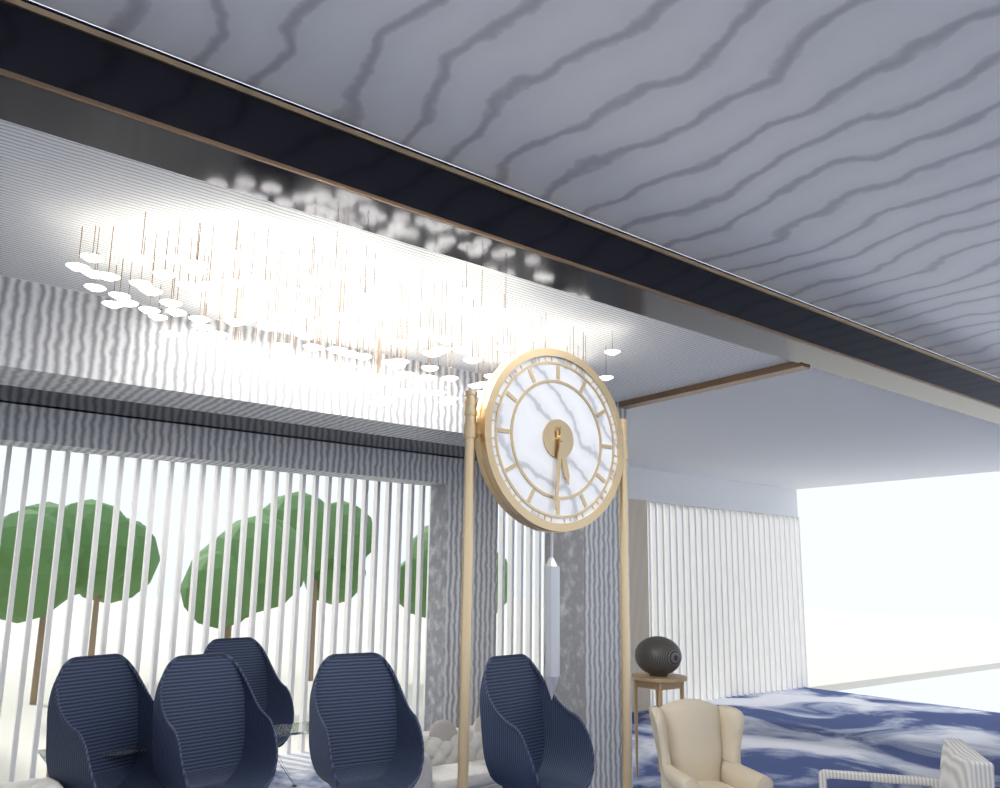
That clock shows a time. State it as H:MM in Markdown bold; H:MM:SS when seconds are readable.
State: **5:31**
